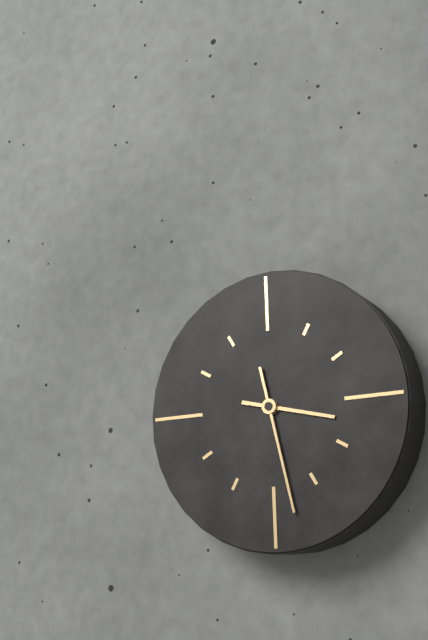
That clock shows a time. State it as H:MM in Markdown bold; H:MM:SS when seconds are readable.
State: **3:28**
